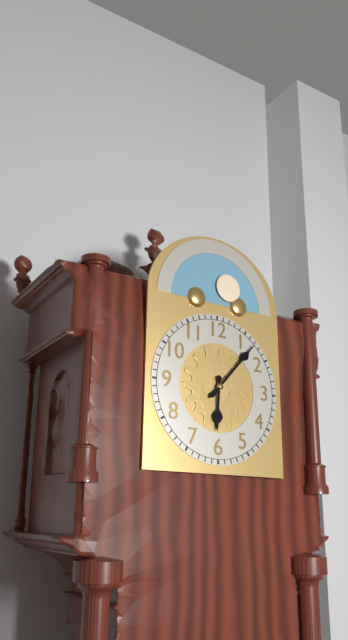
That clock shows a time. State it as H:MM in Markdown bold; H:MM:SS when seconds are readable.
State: **6:07**
